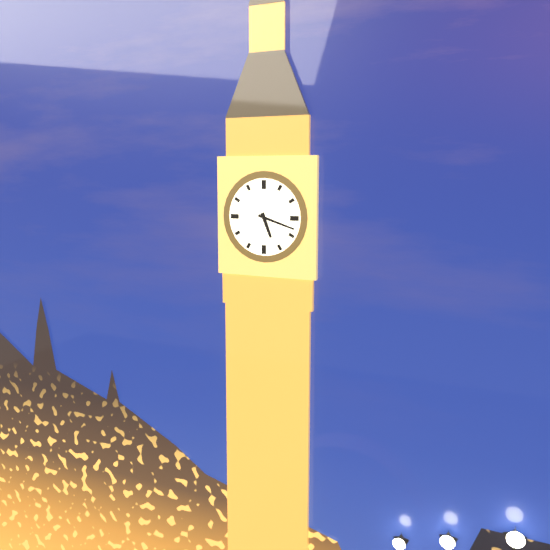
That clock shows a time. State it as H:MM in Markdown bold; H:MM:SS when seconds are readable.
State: **5:18**
